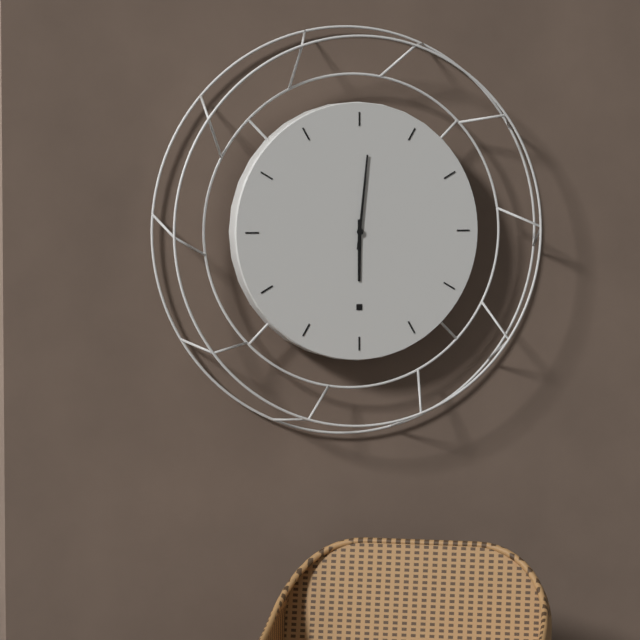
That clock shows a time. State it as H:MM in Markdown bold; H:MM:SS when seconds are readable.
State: **6:01**
